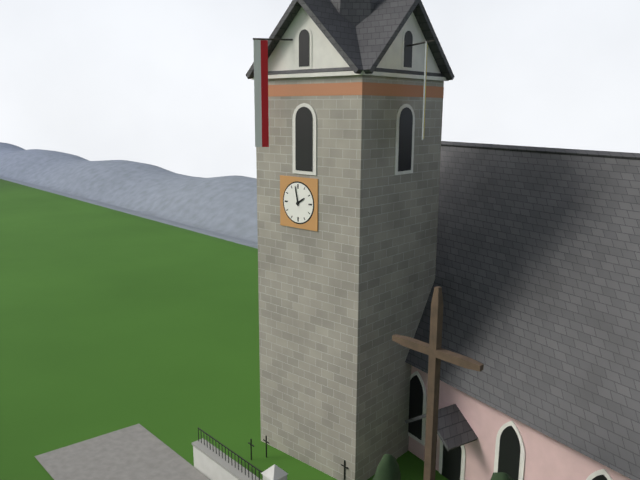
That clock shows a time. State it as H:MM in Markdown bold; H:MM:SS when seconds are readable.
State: **1:58**
